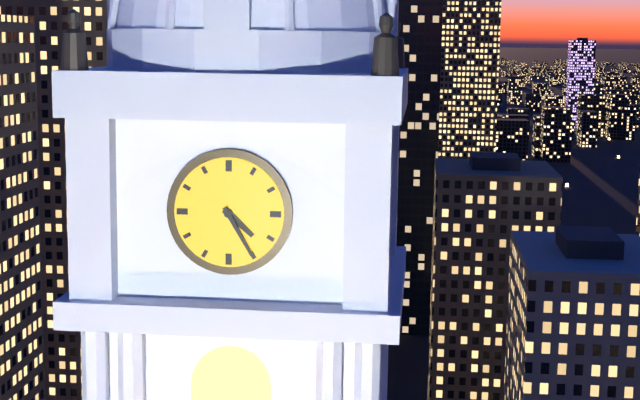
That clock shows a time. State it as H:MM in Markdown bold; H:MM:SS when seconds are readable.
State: **4:25**
